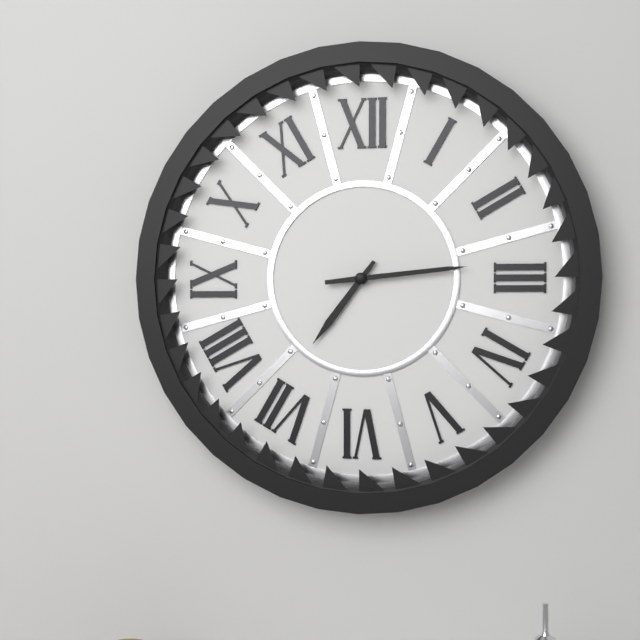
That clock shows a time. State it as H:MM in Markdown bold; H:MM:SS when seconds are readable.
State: **7:14**
